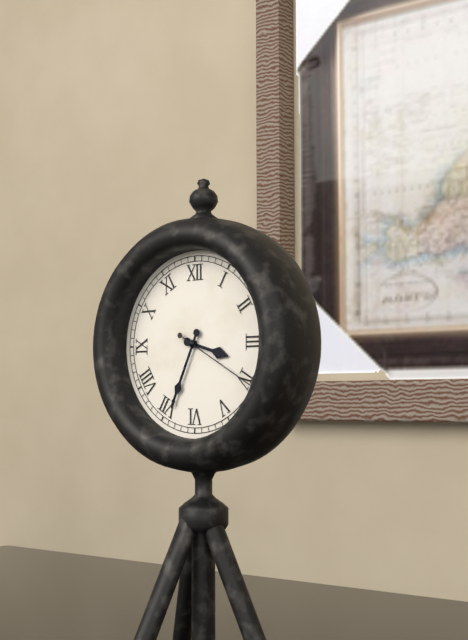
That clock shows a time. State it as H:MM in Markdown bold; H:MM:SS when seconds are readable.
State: **3:34:20**
